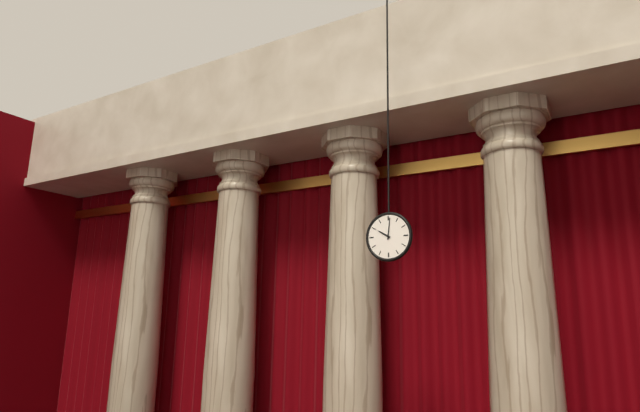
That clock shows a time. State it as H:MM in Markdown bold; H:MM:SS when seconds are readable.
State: **10:01**
